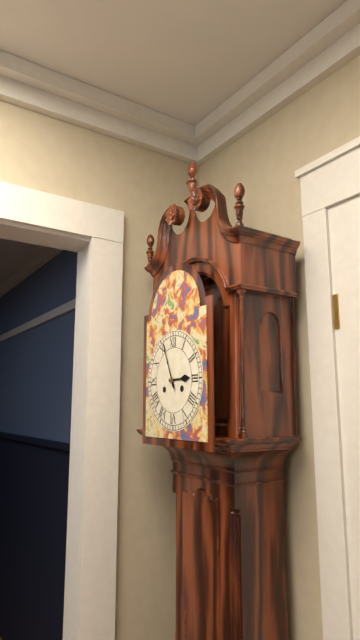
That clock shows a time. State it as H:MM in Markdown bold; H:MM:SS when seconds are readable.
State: **2:56**
